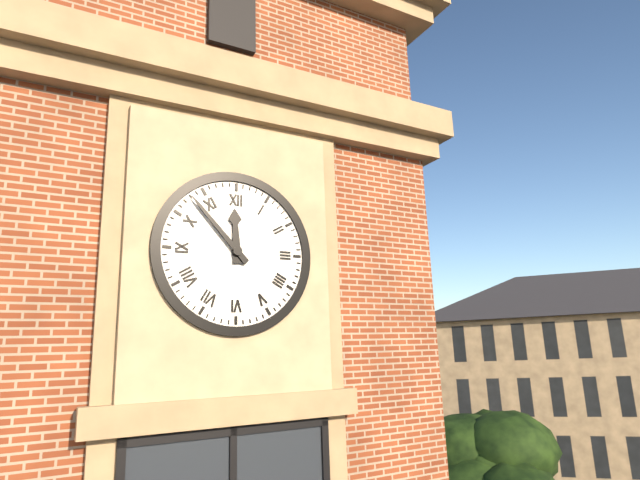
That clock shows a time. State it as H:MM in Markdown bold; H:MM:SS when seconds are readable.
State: **11:53**
